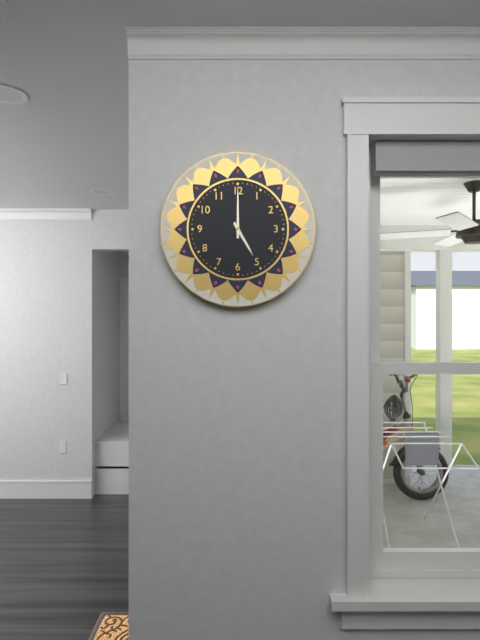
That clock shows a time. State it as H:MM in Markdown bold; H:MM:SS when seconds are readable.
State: **5:00**
